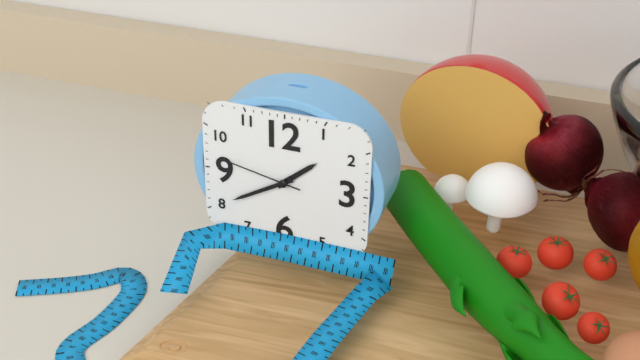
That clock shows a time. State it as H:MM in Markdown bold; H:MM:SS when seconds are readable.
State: **1:40:47**
